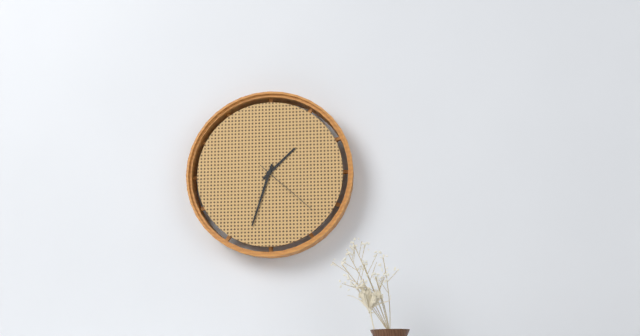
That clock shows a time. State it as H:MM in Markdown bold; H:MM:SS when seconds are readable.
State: **1:33:22**
